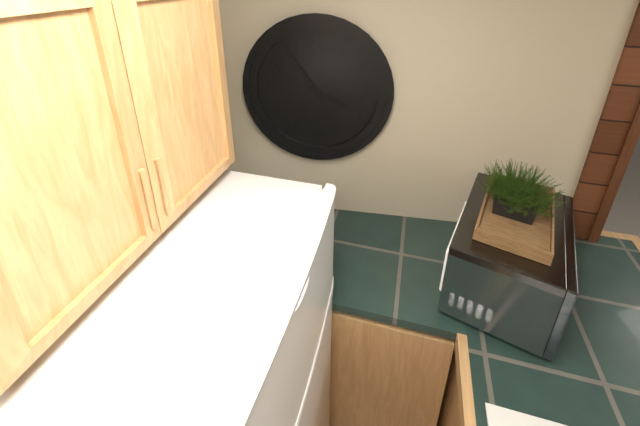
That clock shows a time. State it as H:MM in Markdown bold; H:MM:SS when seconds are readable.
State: **3:54**
